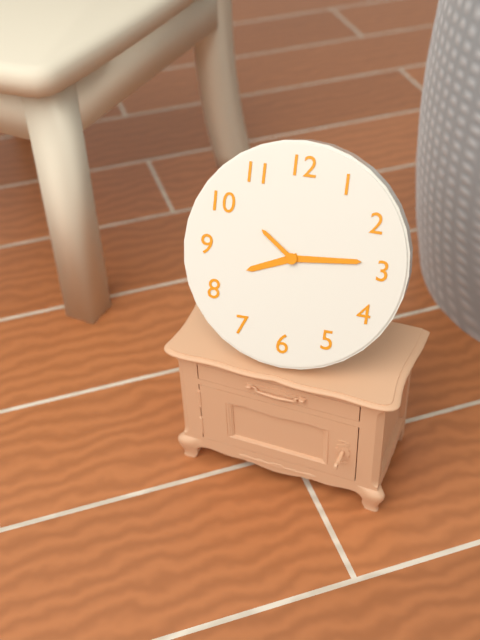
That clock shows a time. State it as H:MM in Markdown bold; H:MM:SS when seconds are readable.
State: **8:14:51**
